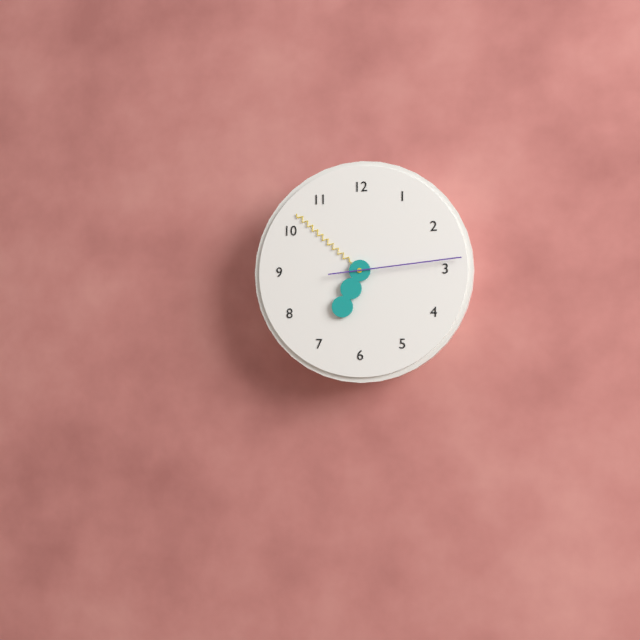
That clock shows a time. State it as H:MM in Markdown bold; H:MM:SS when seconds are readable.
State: **6:52:14**
